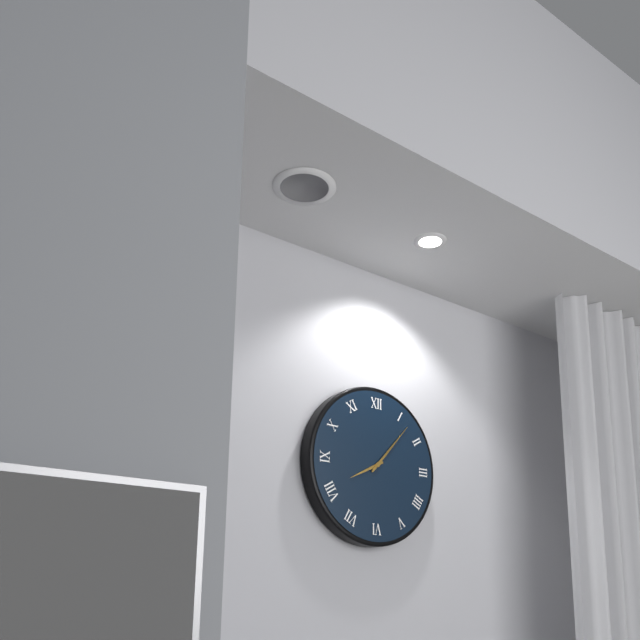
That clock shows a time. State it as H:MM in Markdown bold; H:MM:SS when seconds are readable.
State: **8:07**
